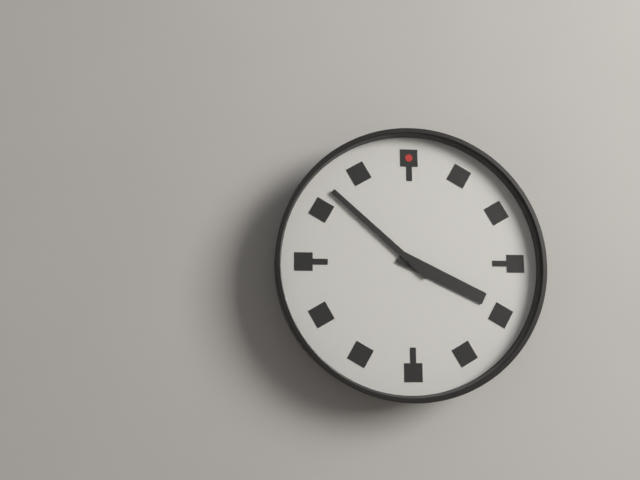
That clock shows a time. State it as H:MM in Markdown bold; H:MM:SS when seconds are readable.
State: **3:52**
